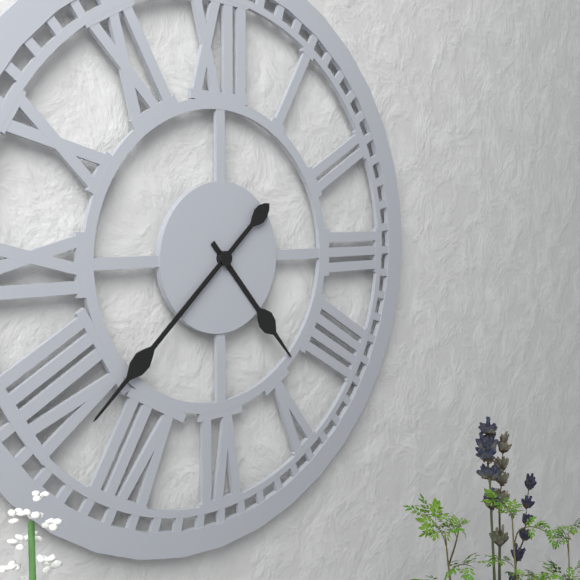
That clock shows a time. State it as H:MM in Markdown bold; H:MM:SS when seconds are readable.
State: **4:38**
